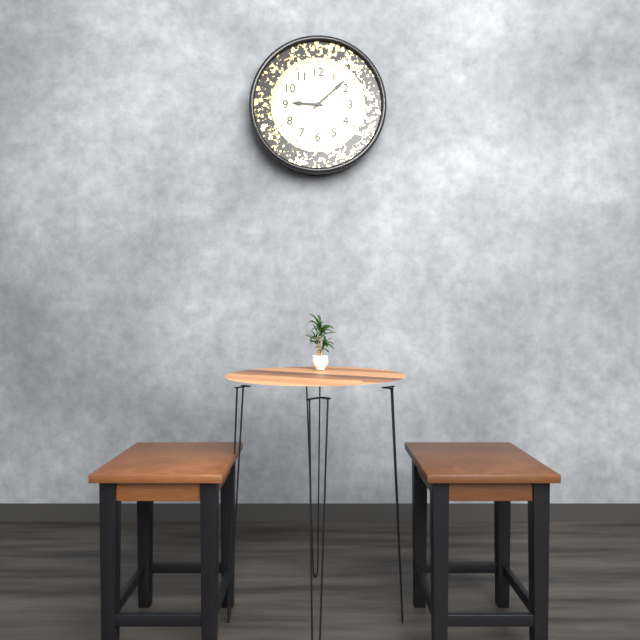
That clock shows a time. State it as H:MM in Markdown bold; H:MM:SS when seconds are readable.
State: **9:08**
